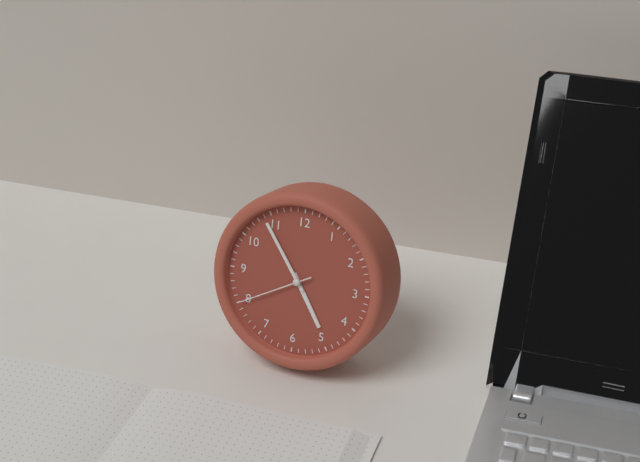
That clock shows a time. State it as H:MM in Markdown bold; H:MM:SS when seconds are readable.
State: **4:54:40**
